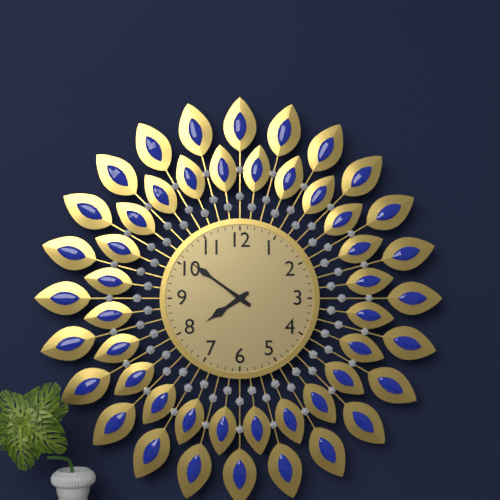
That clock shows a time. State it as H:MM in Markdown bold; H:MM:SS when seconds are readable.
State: **7:51**
